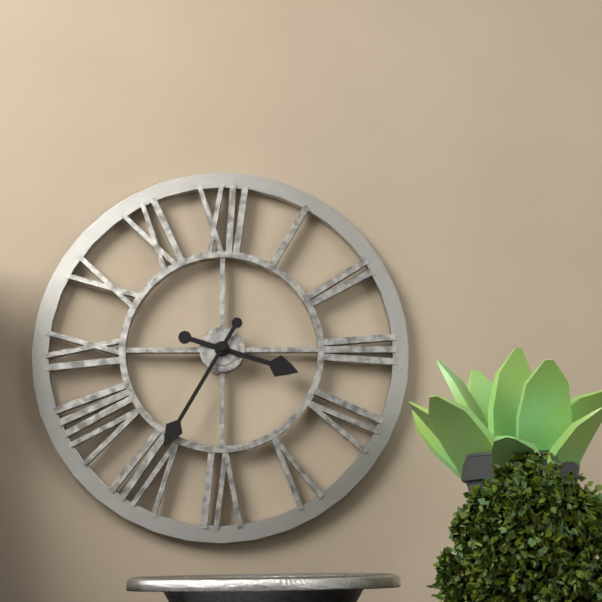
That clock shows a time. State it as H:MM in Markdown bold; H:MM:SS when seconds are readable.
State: **3:35**
